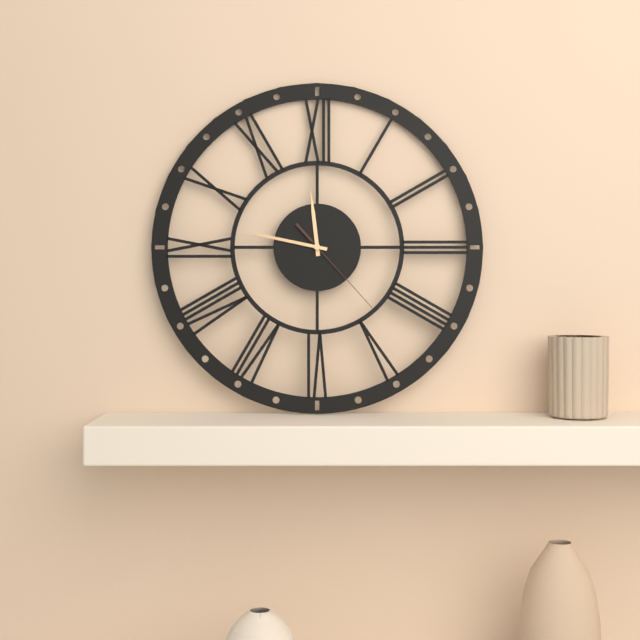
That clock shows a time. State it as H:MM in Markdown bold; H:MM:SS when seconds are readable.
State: **11:47:23**
